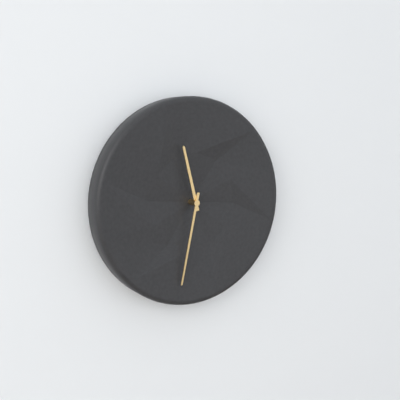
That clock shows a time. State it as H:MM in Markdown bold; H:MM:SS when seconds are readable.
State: **11:32**
